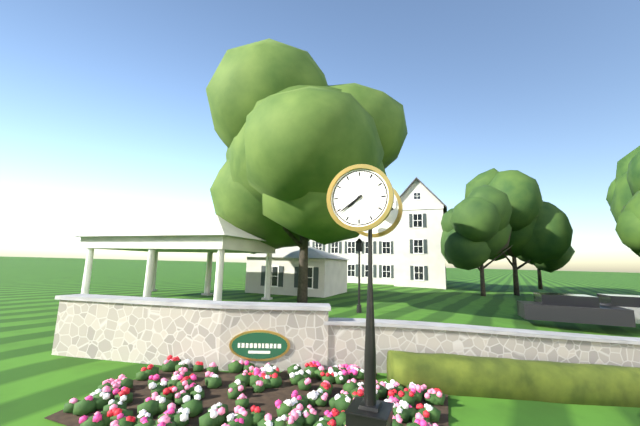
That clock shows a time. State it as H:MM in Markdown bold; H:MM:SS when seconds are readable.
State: **7:39**
